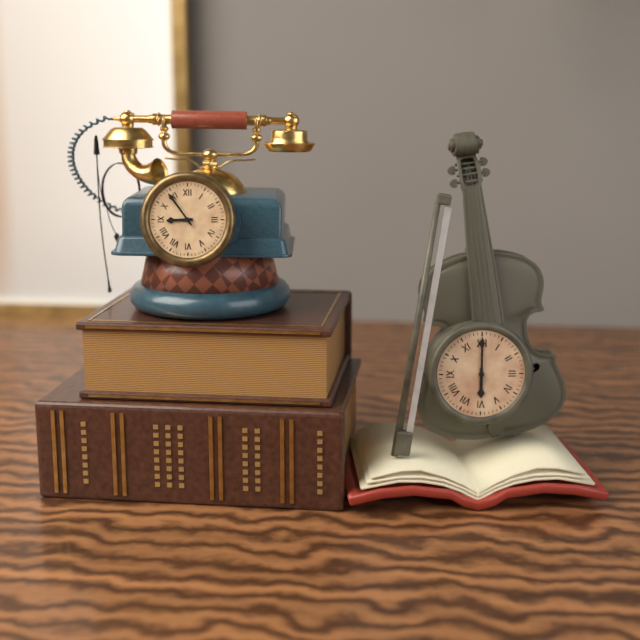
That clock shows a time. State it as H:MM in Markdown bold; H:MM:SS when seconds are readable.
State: **8:54**
